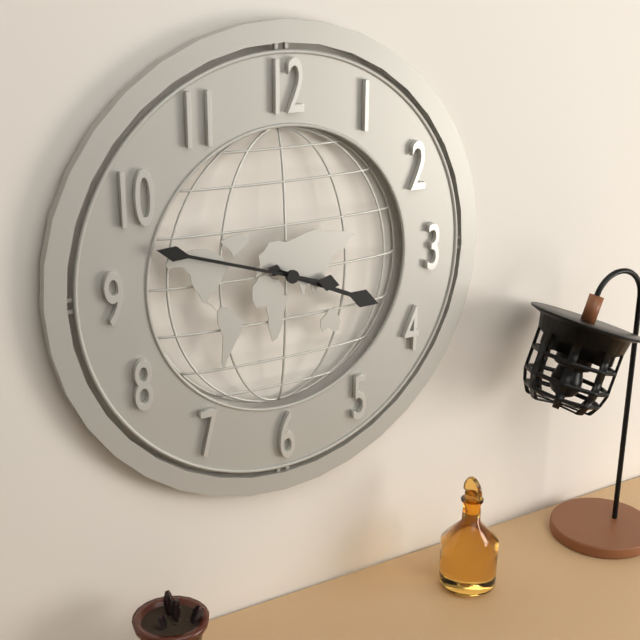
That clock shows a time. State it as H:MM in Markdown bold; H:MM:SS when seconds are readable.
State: **3:48**
